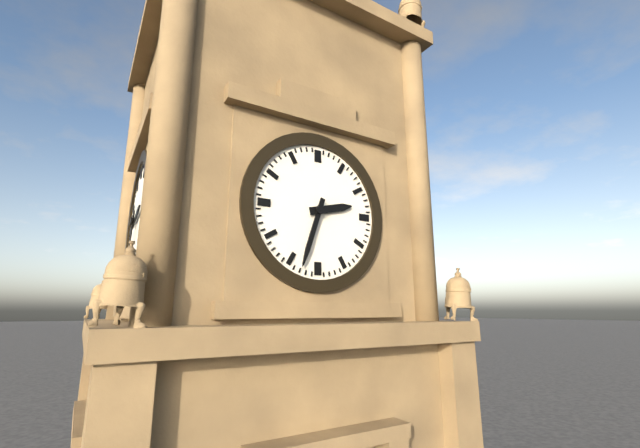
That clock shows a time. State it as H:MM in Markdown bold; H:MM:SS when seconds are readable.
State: **2:33**
